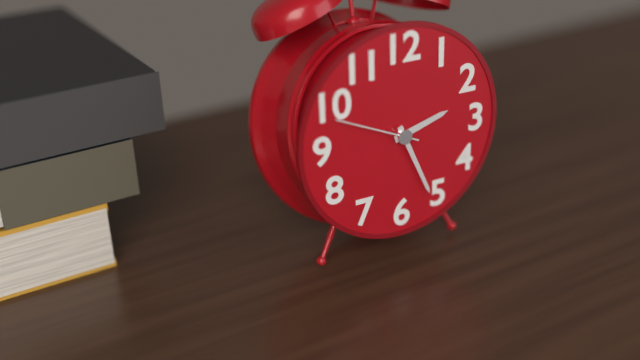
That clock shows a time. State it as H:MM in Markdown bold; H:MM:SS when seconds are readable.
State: **2:26:49**
